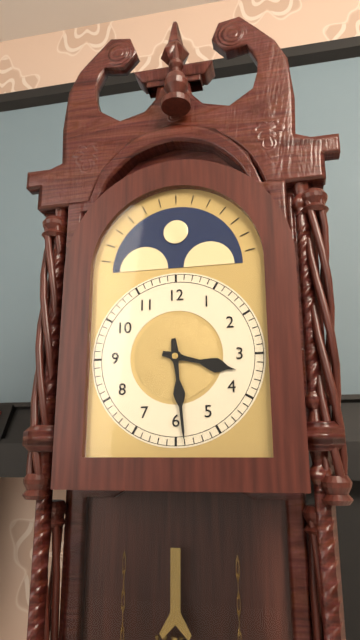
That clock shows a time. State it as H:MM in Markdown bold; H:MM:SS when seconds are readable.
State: **3:29**
